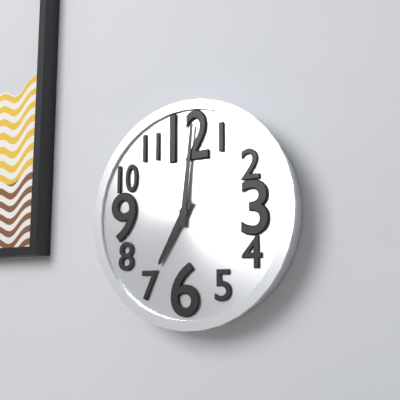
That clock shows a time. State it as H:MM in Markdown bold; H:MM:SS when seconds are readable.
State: **7:01**
